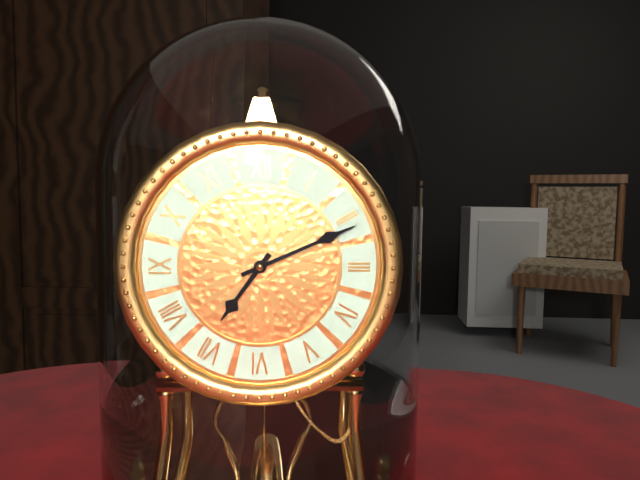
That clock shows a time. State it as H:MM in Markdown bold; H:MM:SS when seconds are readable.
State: **7:11**
